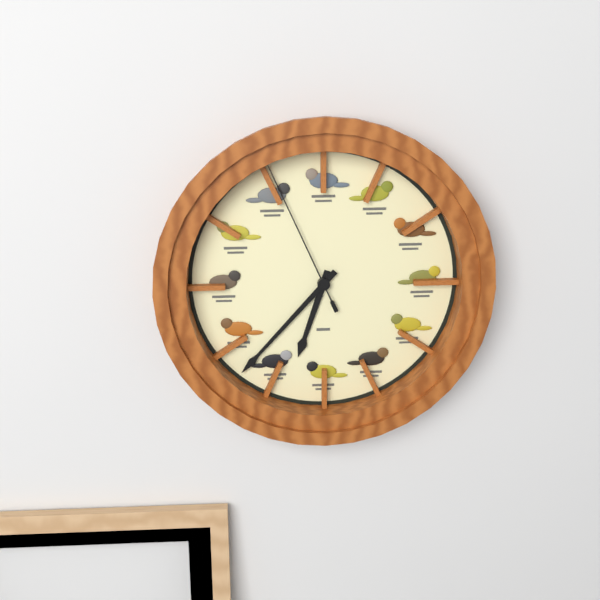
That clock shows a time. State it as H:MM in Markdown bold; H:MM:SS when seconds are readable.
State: **6:37:56**
